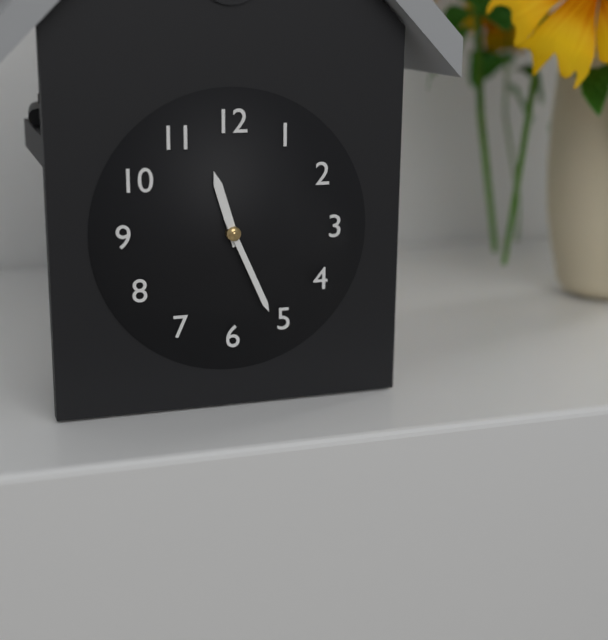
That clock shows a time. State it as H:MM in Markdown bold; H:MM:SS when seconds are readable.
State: **11:26**
